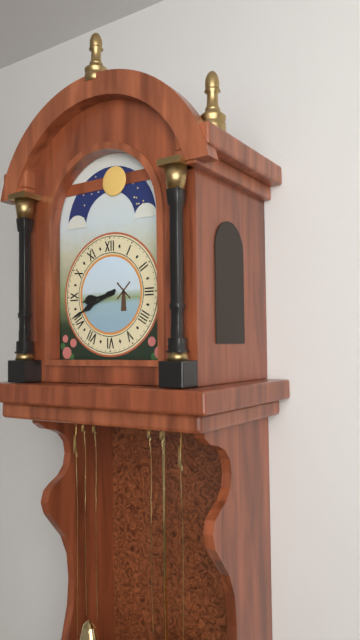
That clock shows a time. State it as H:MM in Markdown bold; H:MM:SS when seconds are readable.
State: **8:41**
